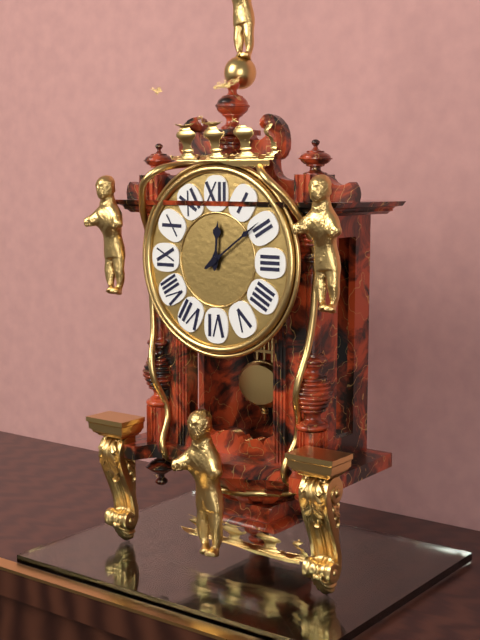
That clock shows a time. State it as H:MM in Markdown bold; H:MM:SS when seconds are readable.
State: **12:09**
